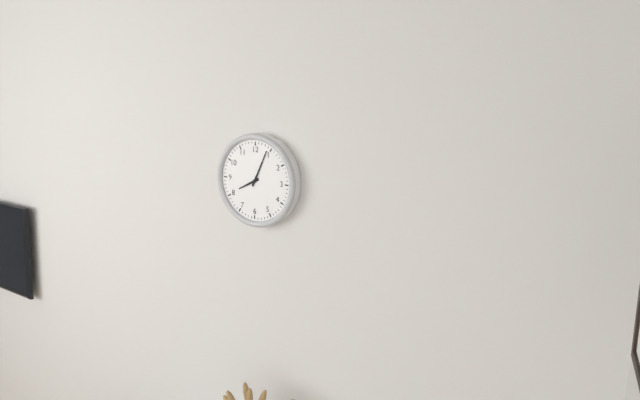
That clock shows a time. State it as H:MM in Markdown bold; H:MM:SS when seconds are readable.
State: **8:04**
